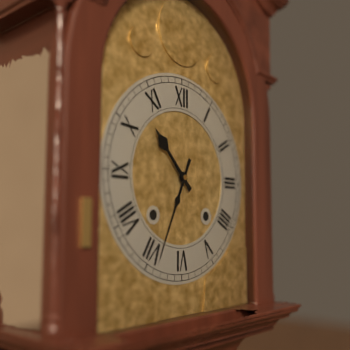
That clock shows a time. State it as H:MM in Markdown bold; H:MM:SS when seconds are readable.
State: **10:34**
